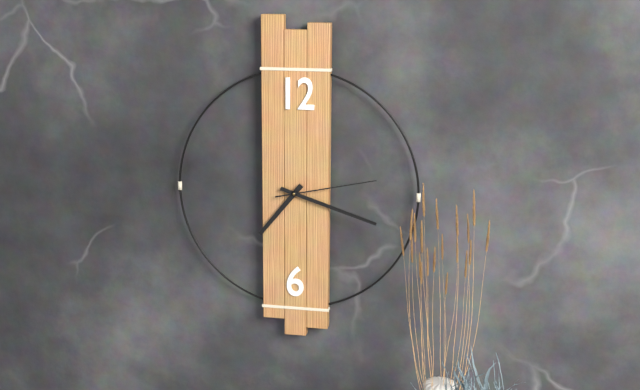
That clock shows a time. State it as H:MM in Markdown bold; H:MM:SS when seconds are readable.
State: **7:18:13**
